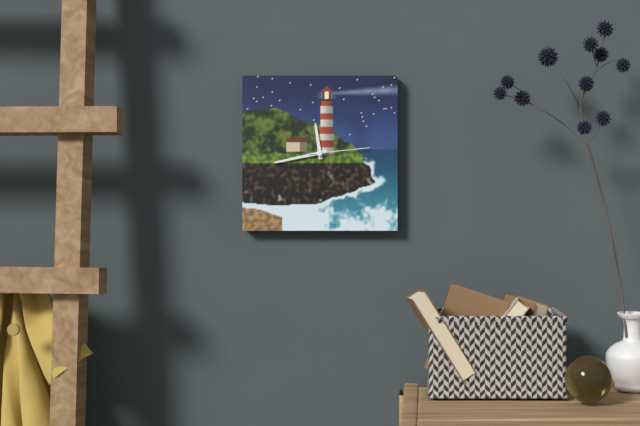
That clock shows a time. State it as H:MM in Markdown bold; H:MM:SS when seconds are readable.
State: **11:43:14**
